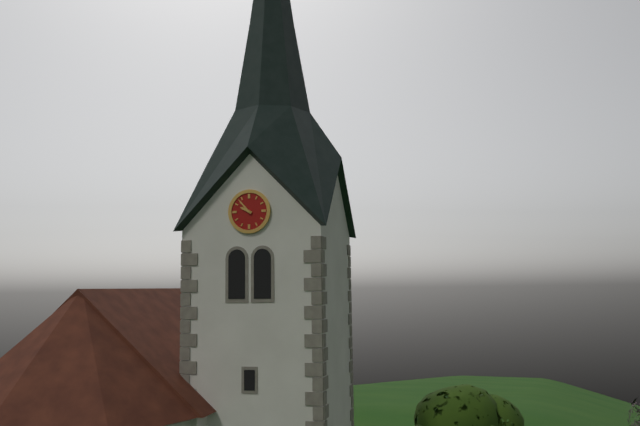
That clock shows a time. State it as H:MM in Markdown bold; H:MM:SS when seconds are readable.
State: **9:53**
